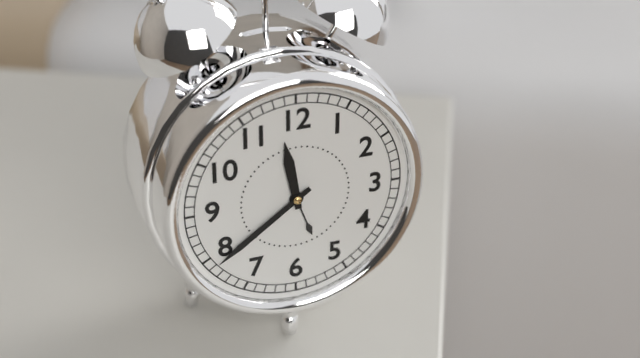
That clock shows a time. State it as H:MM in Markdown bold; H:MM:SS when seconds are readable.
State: **11:39**
